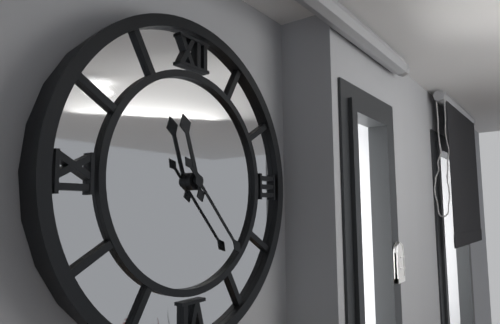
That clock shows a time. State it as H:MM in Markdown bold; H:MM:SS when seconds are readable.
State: **11:23**
